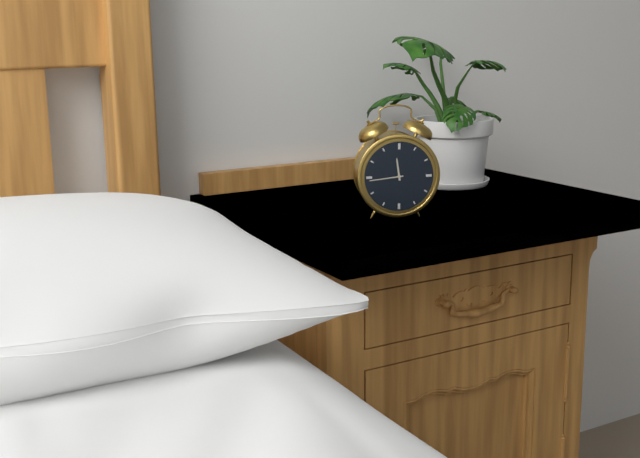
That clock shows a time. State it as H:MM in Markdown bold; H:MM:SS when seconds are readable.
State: **11:44**
